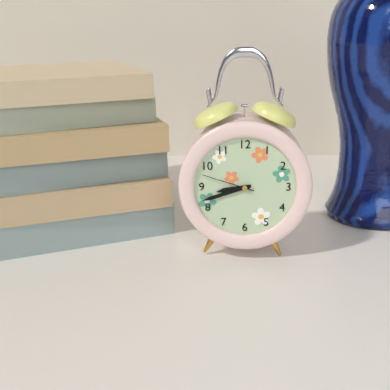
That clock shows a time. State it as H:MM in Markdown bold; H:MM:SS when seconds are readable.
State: **8:42:48**
